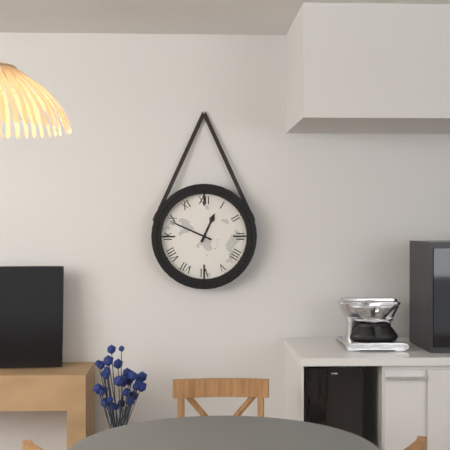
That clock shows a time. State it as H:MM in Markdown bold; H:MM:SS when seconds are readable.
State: **12:49**
